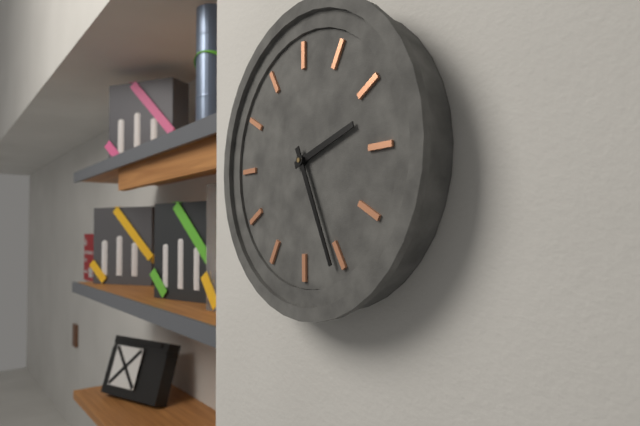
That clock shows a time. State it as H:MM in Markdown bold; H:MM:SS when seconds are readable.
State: **2:26**
